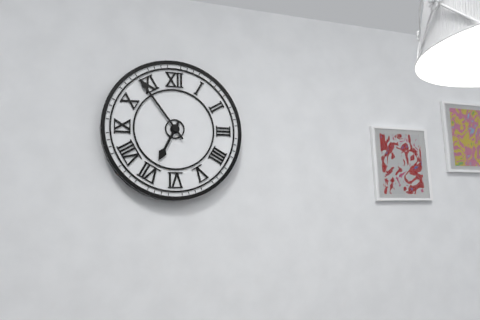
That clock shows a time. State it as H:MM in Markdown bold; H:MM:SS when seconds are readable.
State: **6:54**
